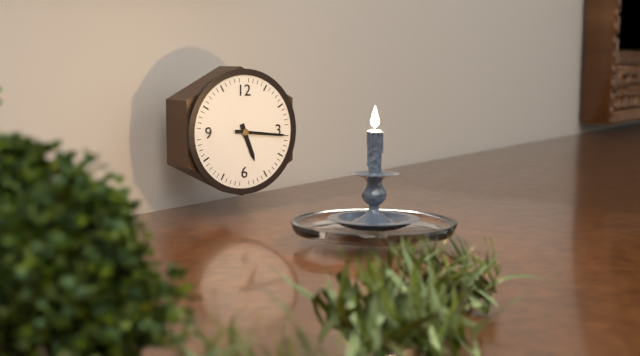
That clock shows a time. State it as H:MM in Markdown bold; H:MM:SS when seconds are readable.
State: **5:16**
